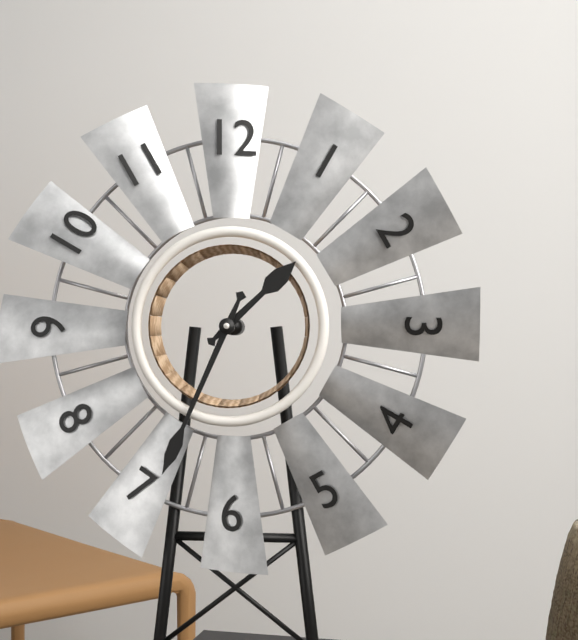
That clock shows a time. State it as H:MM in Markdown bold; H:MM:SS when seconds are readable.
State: **1:34**
